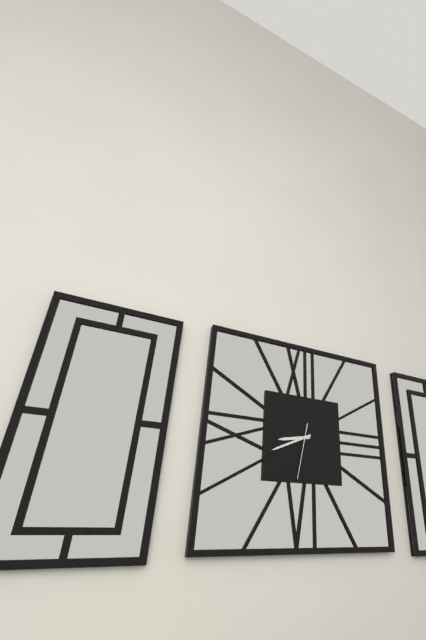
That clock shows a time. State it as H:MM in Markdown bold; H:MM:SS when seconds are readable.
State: **8:41:32**
